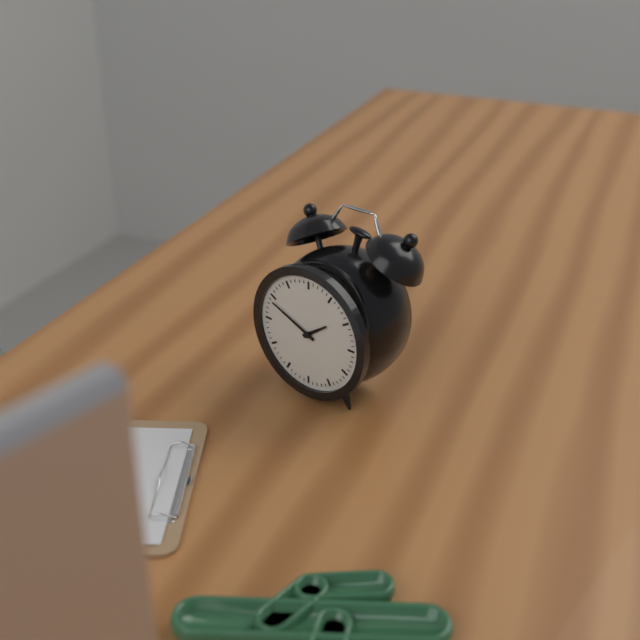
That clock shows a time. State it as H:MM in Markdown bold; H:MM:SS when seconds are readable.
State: **1:49**
